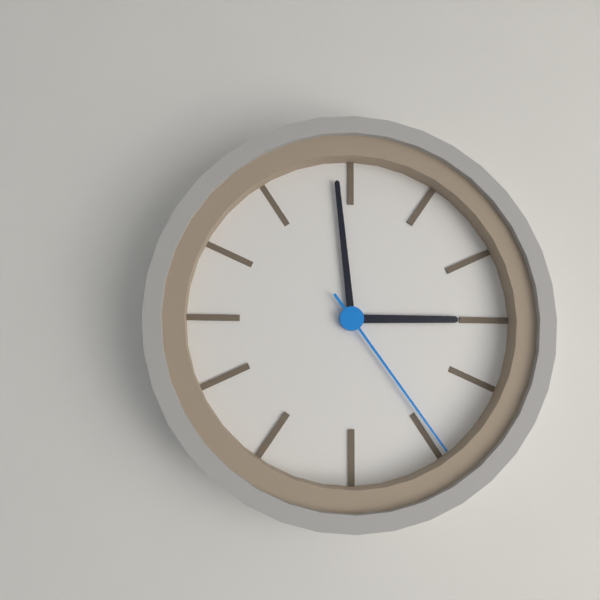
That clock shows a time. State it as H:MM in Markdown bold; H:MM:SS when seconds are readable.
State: **2:59:24**
